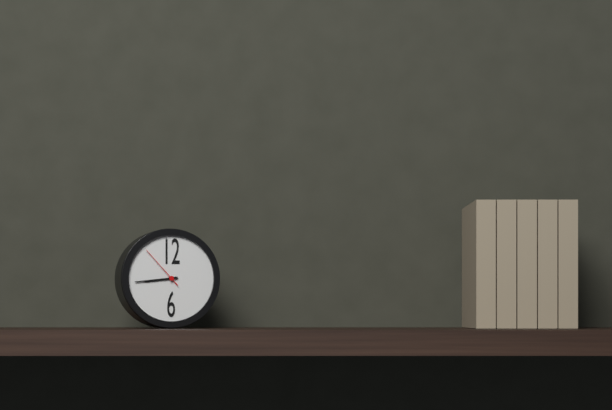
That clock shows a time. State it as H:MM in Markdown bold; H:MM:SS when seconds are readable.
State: **8:44**
